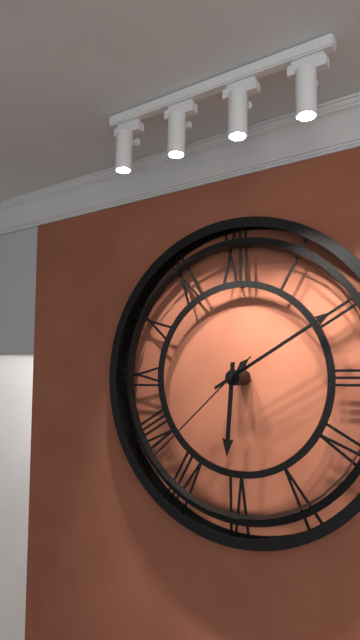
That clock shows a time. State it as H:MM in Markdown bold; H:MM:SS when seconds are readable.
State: **6:10:38**
